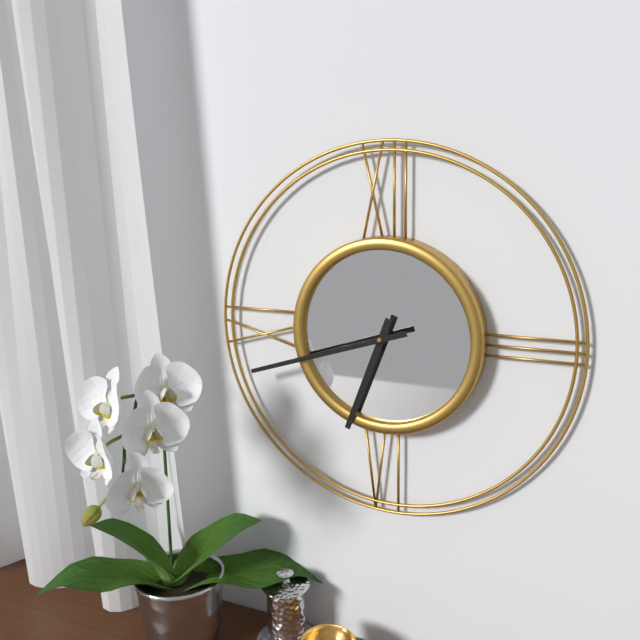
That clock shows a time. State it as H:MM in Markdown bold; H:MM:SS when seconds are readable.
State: **6:42**
